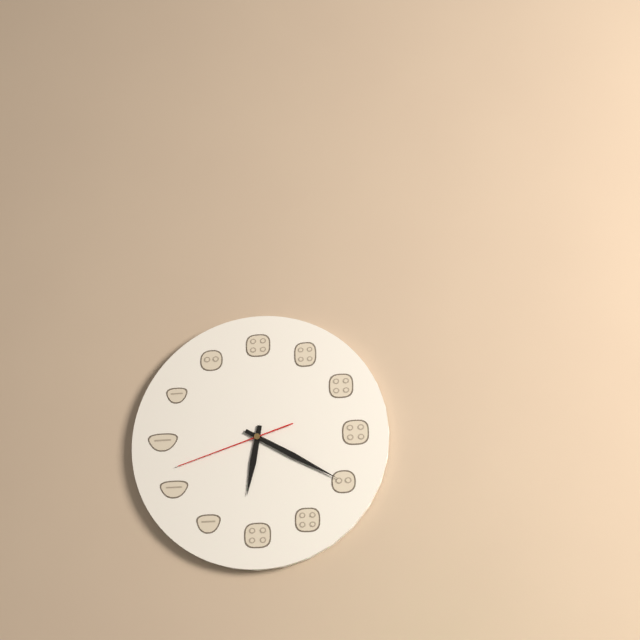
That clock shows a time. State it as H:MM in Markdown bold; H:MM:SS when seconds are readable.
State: **6:20:42**
